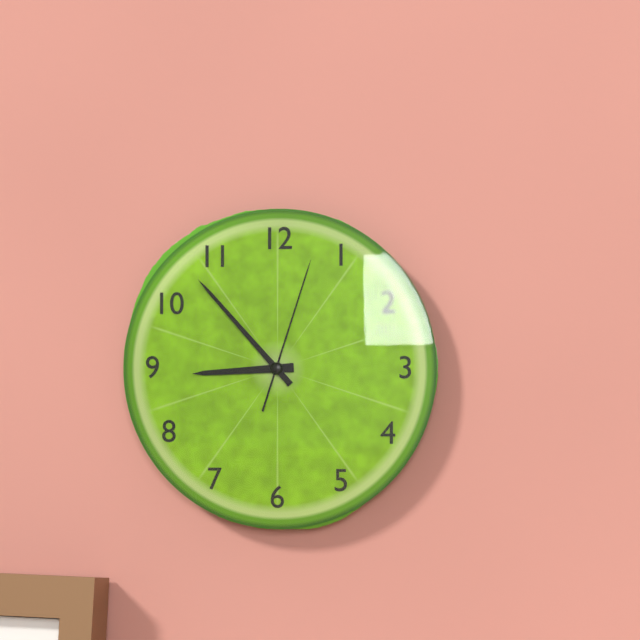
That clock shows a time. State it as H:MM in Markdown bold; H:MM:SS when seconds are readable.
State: **8:53:03**
